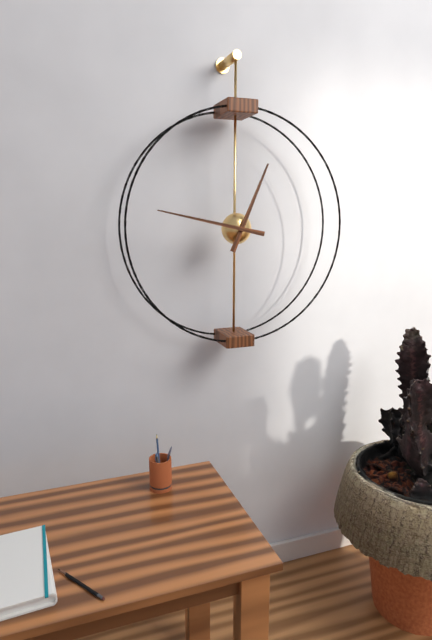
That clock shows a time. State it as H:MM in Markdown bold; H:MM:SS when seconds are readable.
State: **12:47**
